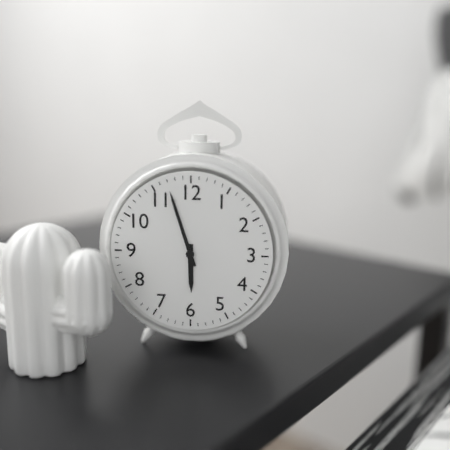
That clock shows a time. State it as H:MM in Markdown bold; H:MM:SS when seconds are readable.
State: **5:57**
